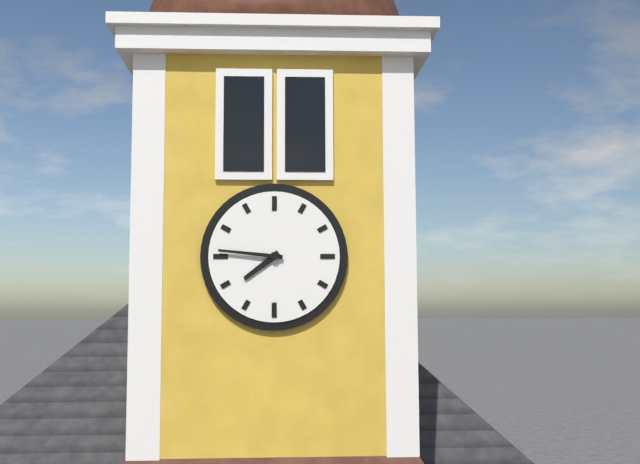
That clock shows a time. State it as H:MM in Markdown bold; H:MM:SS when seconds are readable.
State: **7:46**
